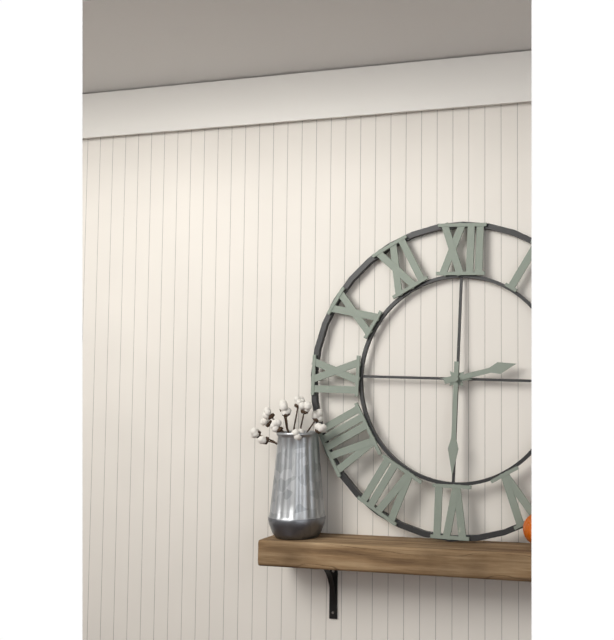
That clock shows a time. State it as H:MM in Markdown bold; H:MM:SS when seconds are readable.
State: **2:30**
